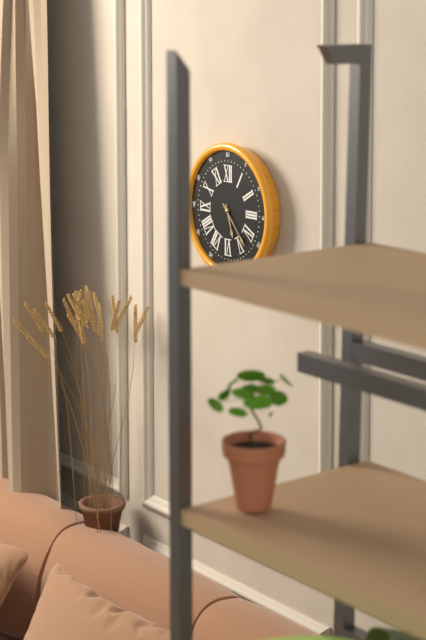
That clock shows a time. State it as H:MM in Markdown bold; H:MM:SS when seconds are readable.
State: **5:23**
